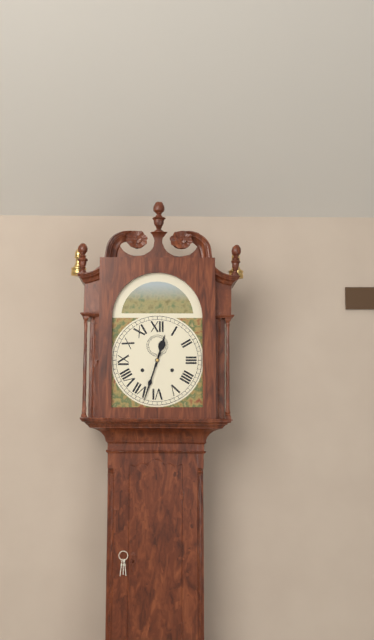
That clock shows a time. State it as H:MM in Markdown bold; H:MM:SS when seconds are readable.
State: **12:33**
